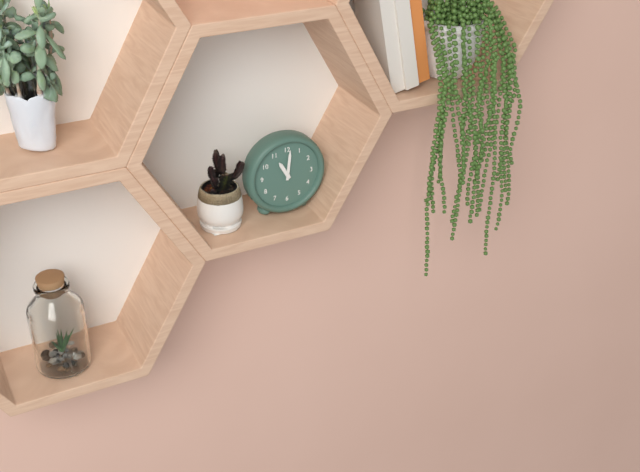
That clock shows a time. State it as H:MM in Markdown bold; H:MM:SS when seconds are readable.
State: **11:01**
